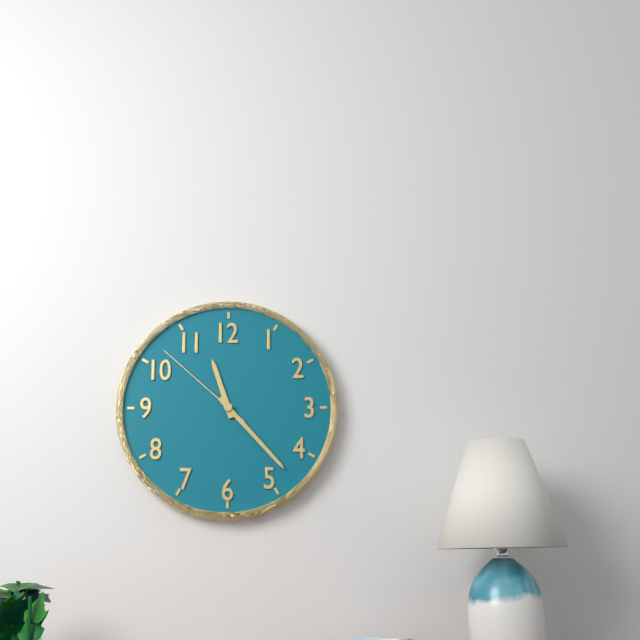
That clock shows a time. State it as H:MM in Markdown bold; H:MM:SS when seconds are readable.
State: **11:23:52**
